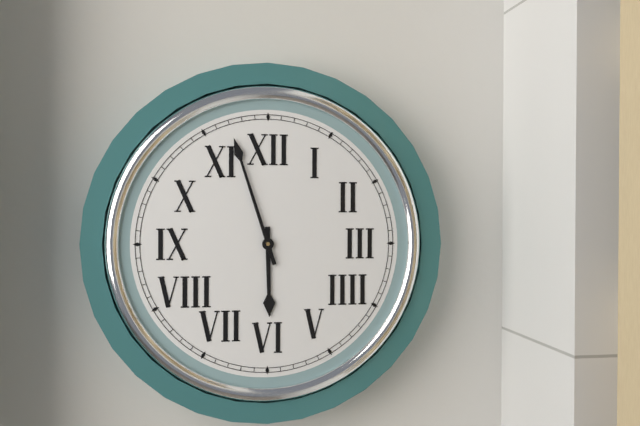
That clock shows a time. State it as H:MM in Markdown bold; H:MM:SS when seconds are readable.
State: **5:57**
